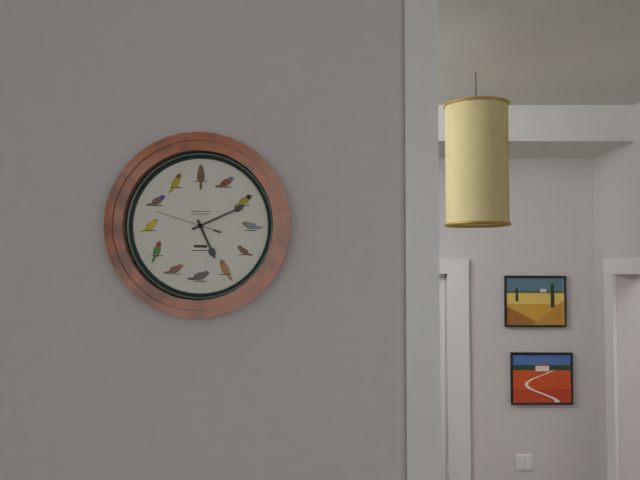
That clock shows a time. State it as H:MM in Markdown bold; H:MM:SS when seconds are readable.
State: **5:11:48**
